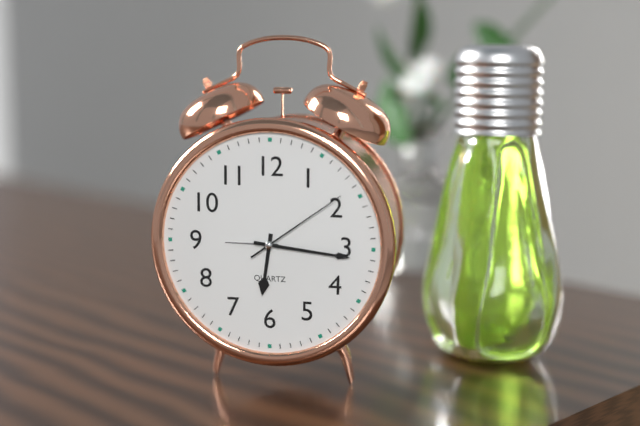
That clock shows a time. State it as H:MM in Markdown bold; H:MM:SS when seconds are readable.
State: **6:16:09**
